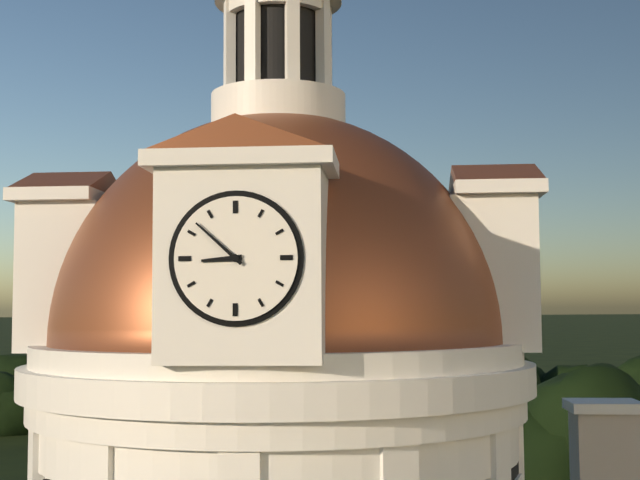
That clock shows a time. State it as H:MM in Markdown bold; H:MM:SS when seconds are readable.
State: **8:52**
